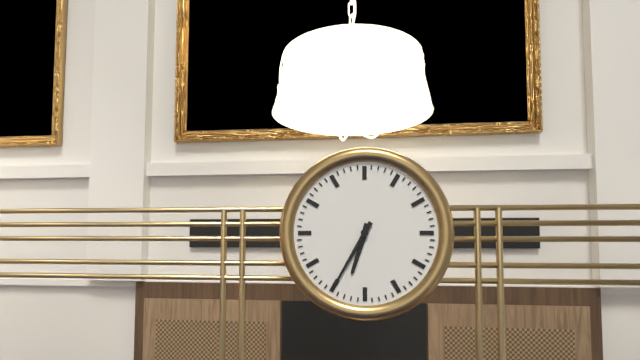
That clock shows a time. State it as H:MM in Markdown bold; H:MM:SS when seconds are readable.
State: **6:35**
